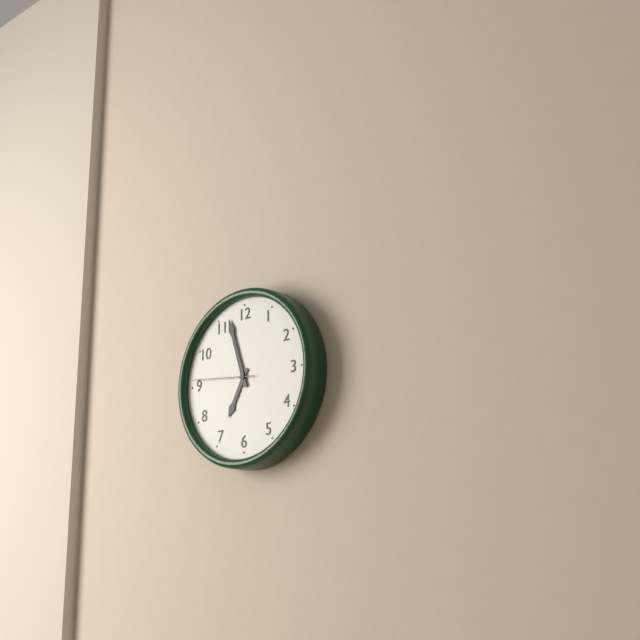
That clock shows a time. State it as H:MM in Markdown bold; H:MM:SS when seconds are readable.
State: **6:57:46**
